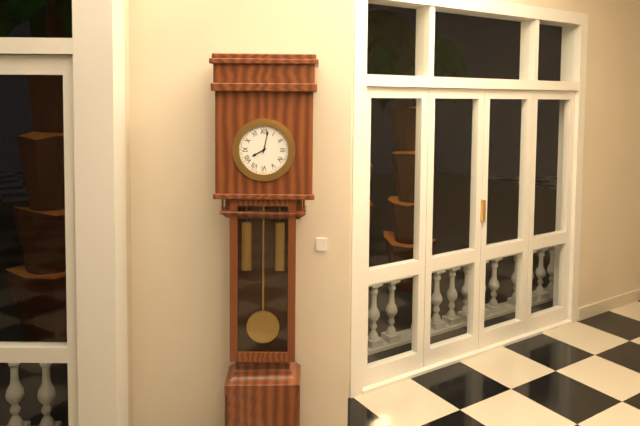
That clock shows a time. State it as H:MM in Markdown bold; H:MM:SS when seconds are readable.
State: **8:02**
